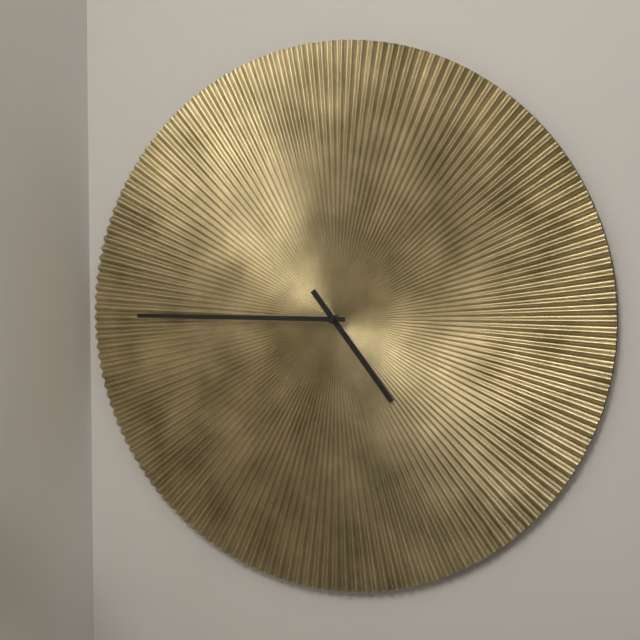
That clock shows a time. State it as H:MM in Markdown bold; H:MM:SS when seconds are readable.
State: **4:45**
